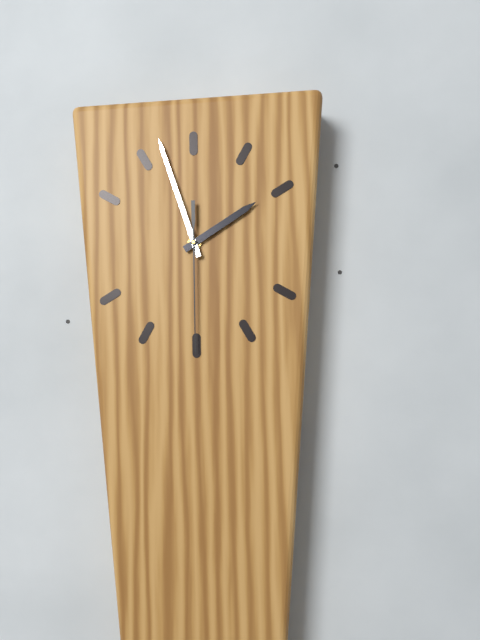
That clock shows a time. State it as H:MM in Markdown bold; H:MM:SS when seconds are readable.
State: **1:57:30**
